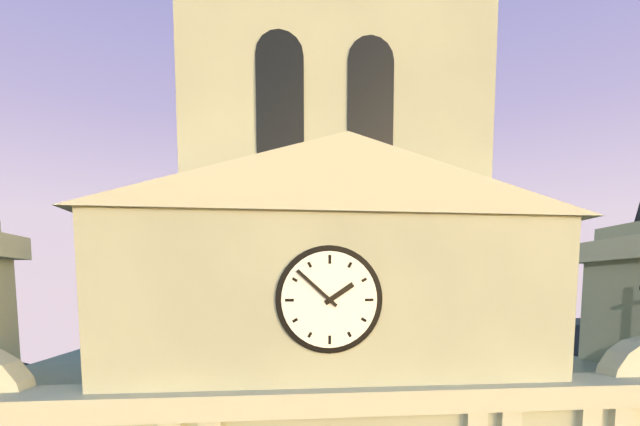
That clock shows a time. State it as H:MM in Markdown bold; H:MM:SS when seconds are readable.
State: **1:52**
